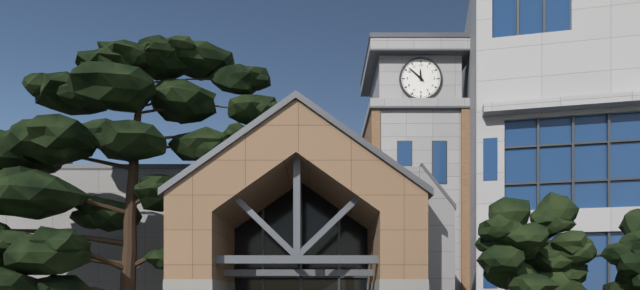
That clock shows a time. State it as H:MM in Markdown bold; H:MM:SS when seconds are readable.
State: **11:52**
